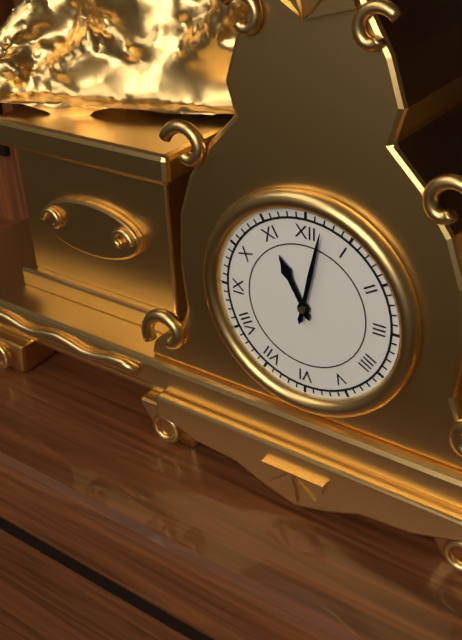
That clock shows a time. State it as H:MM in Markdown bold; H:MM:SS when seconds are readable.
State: **11:02**
